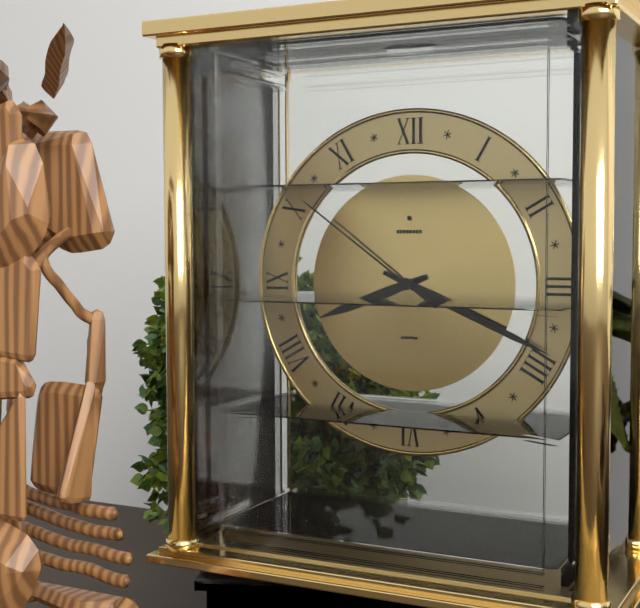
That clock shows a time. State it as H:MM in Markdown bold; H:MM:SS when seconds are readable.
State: **8:19:51**
